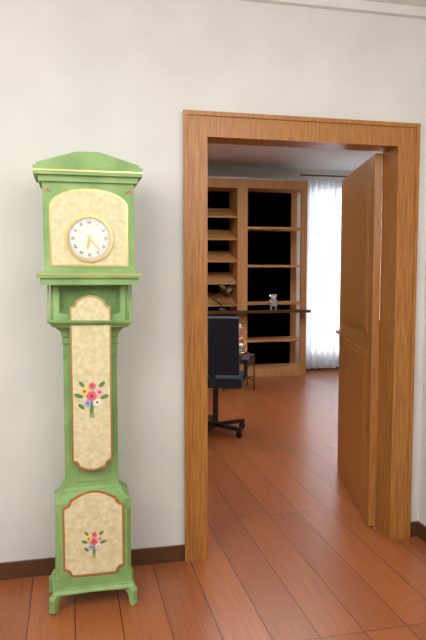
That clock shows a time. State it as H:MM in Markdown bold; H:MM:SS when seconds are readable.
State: **6:23**
